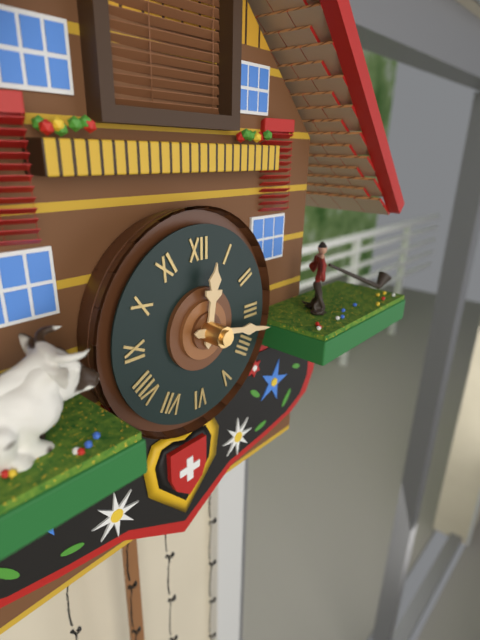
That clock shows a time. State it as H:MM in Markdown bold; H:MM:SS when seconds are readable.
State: **12:17**
